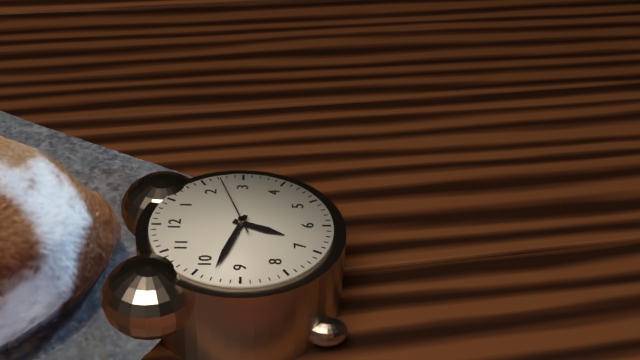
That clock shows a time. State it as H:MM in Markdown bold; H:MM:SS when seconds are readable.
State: **6:48:12**
